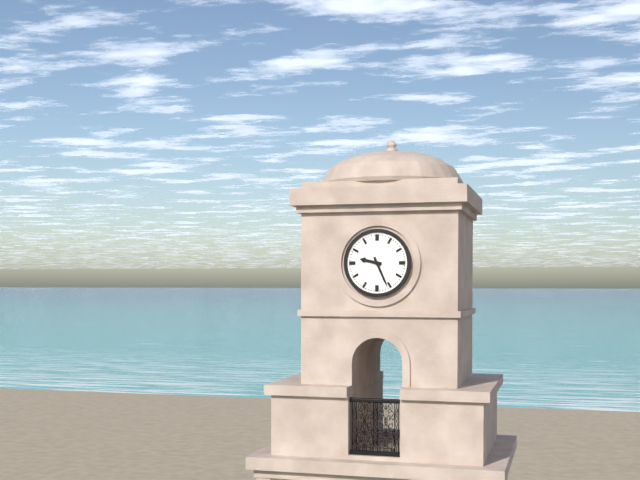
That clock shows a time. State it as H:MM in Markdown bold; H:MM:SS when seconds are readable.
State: **9:26**
